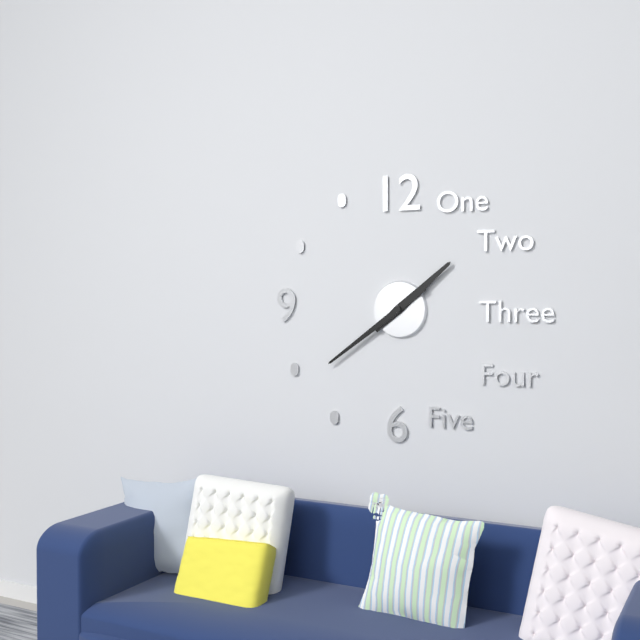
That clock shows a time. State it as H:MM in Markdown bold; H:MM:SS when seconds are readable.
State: **1:39**
